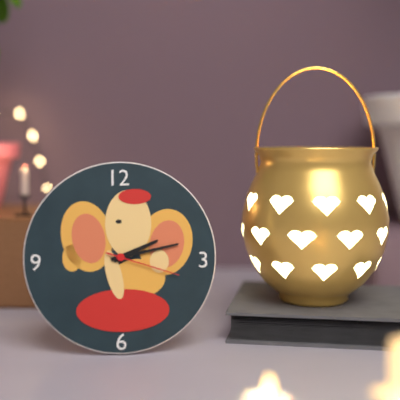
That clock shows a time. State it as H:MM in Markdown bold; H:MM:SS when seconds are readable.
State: **2:13:18**
